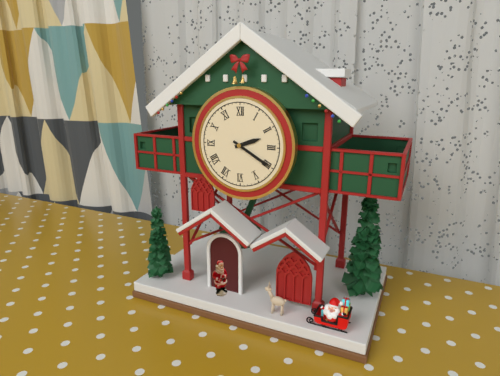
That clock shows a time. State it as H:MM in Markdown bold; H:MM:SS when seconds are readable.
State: **2:20**
